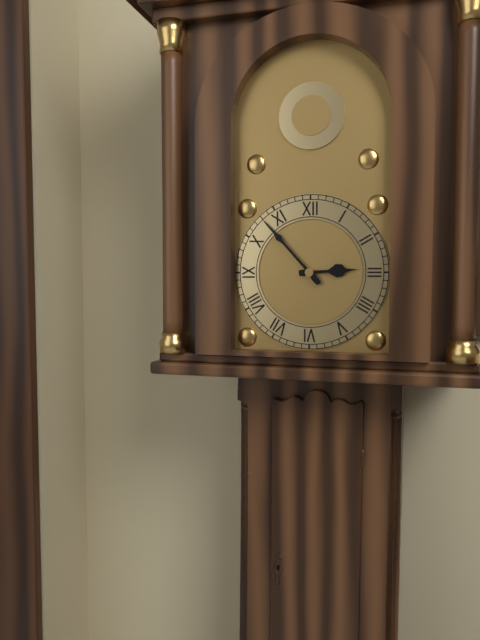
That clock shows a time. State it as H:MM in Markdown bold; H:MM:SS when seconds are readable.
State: **2:53**
